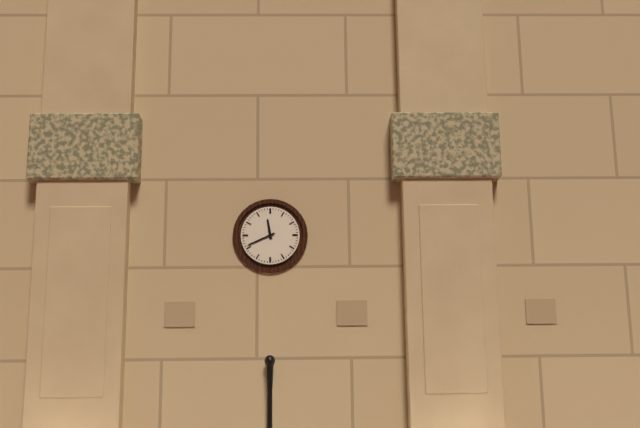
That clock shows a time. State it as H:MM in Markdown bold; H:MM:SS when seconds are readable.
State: **11:41**
